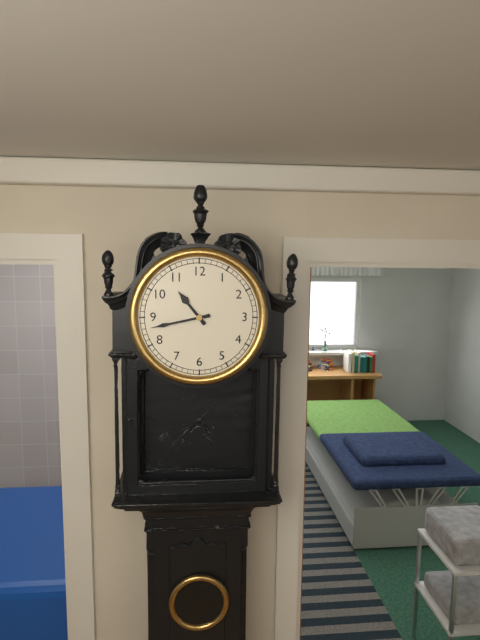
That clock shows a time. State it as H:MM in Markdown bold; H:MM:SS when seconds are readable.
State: **10:43**
